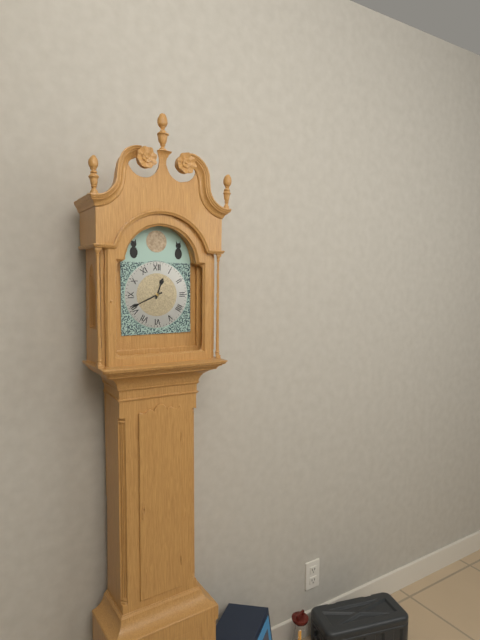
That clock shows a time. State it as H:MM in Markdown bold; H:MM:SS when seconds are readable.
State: **12:41**
